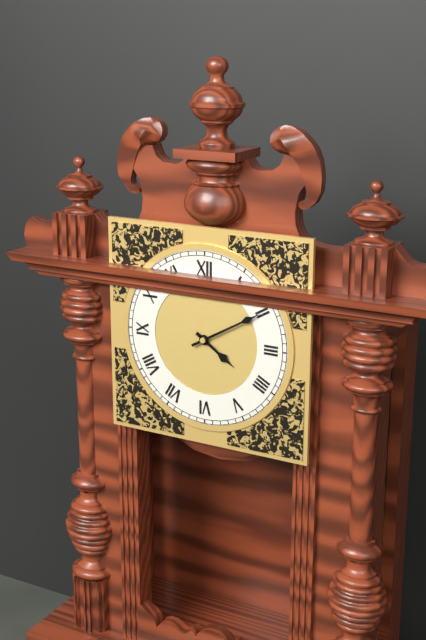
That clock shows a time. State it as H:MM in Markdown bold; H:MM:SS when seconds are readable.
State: **4:10**
